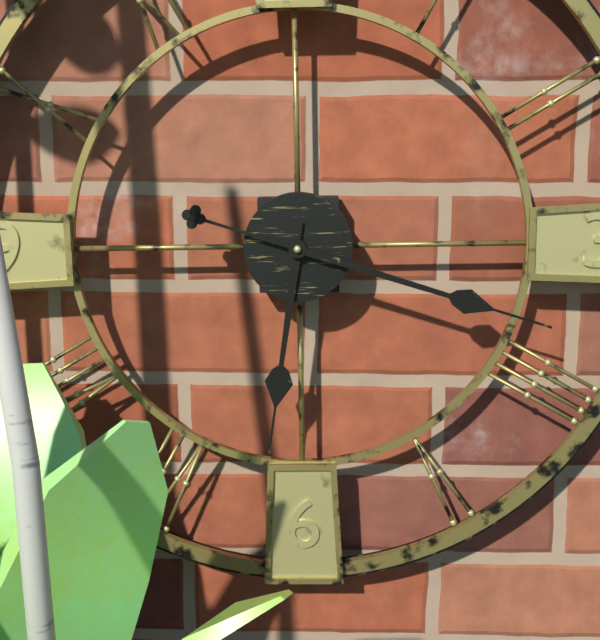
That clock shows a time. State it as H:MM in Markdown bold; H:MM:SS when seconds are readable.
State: **6:18**
